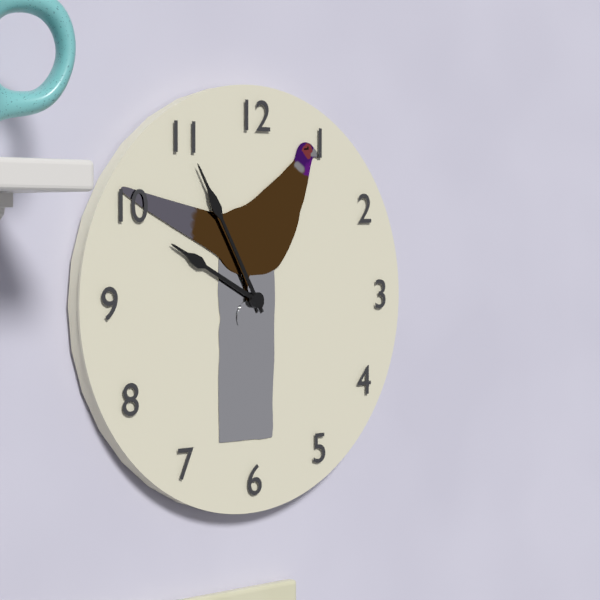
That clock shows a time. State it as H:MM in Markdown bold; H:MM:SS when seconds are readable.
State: **9:55**
